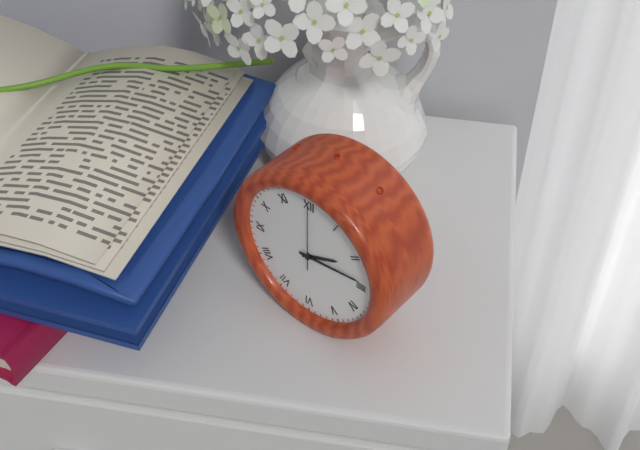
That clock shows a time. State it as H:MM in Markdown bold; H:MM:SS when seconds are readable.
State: **2:14:00**
